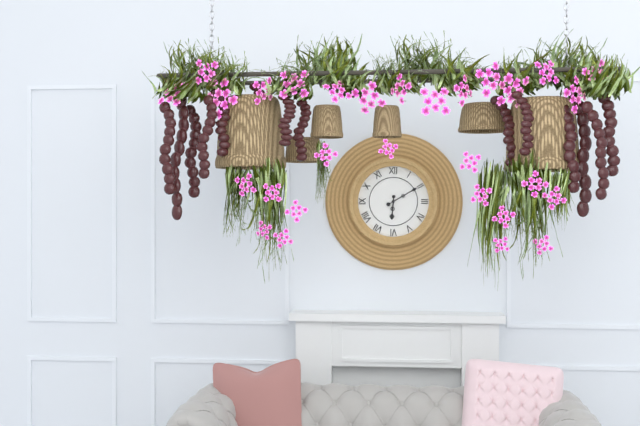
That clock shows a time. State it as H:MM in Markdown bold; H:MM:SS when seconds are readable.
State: **6:10**
